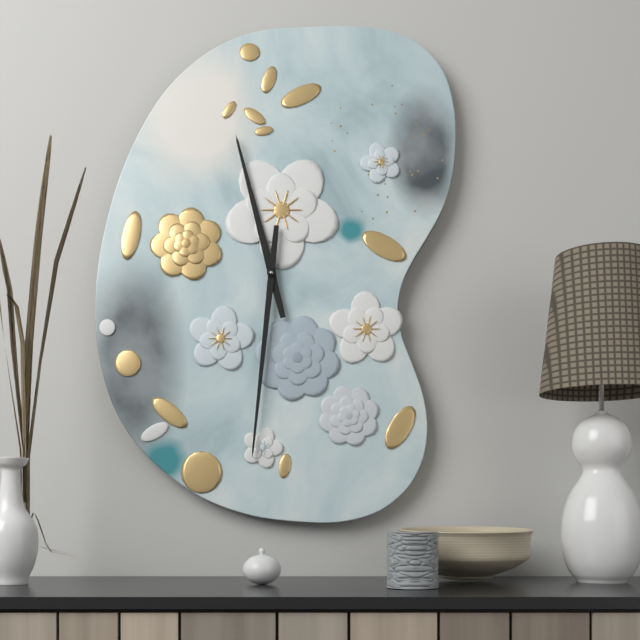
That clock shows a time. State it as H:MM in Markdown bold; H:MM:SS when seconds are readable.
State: **11:31**
